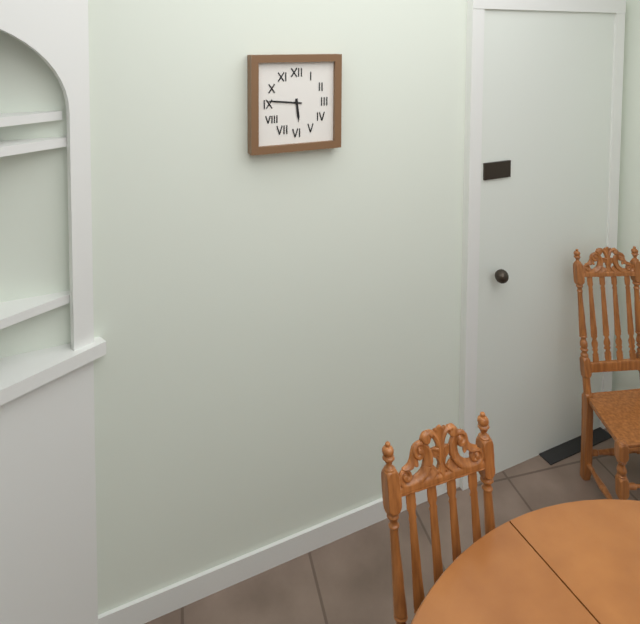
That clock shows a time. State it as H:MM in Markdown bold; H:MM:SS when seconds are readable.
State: **5:46**
